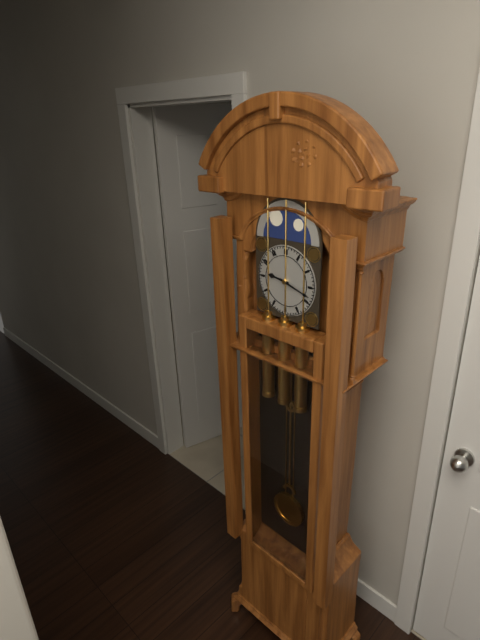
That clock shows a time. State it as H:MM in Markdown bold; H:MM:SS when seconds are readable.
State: **9:18**
